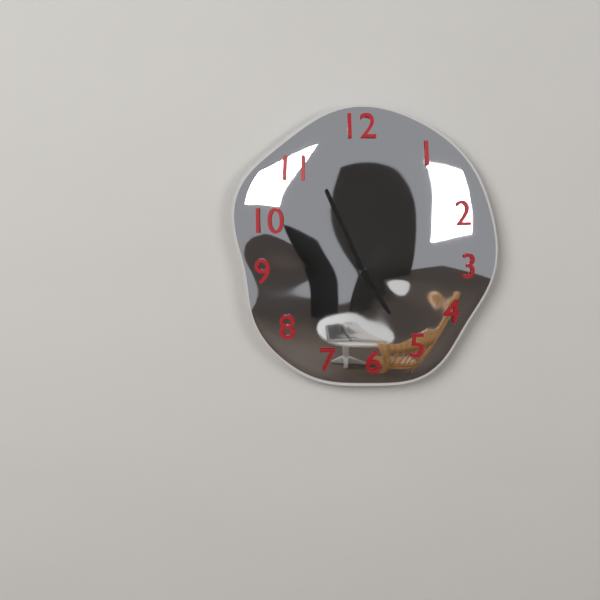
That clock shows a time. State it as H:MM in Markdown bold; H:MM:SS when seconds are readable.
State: **4:56**
